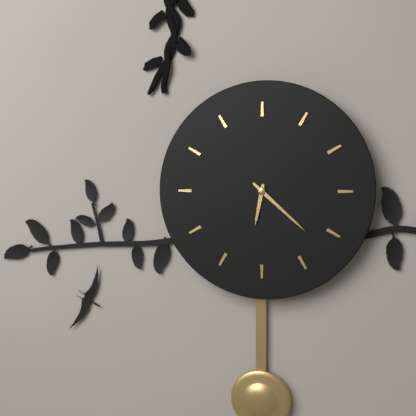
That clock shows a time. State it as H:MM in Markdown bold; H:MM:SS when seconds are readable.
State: **6:22**
